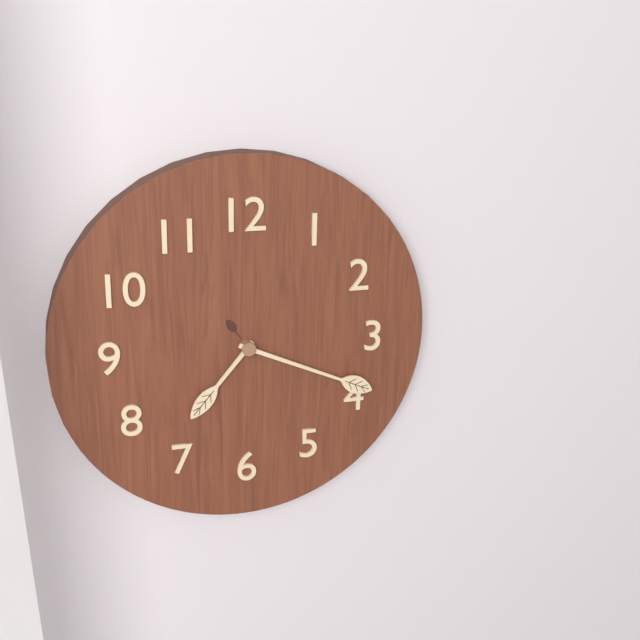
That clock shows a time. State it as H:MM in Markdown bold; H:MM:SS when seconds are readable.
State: **7:19**
